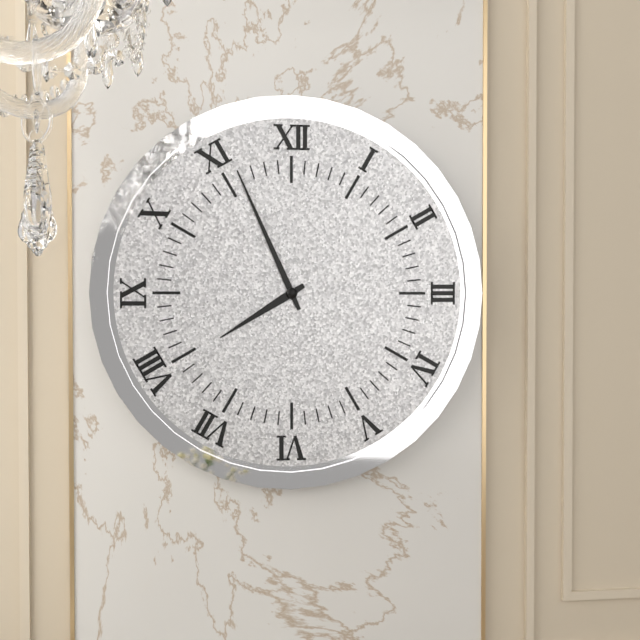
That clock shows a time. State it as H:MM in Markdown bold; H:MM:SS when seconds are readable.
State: **7:56**
